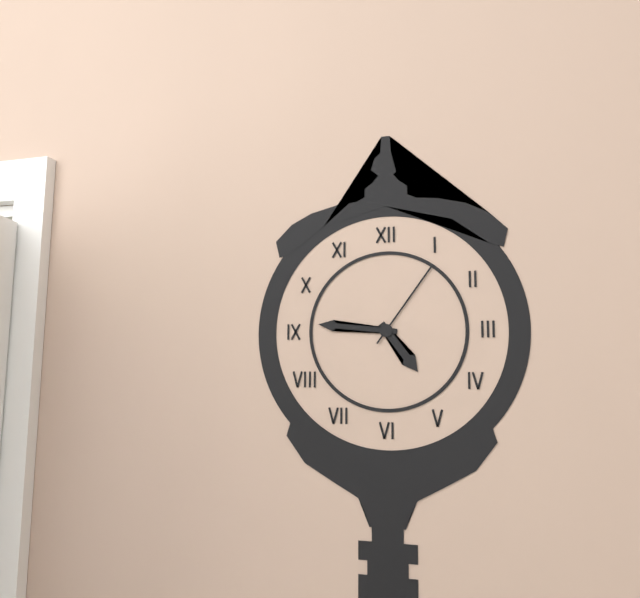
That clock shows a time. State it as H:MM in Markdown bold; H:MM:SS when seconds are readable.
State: **4:46:06**
